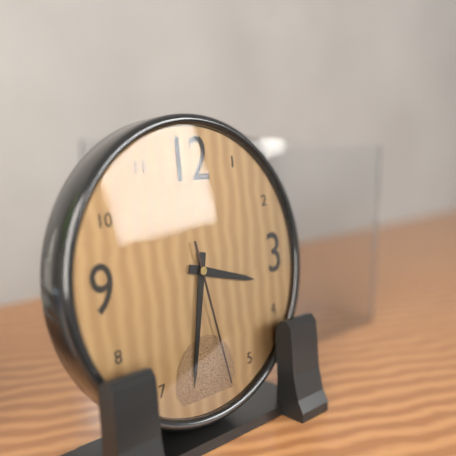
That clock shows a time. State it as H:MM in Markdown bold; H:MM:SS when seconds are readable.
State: **3:32:28**
